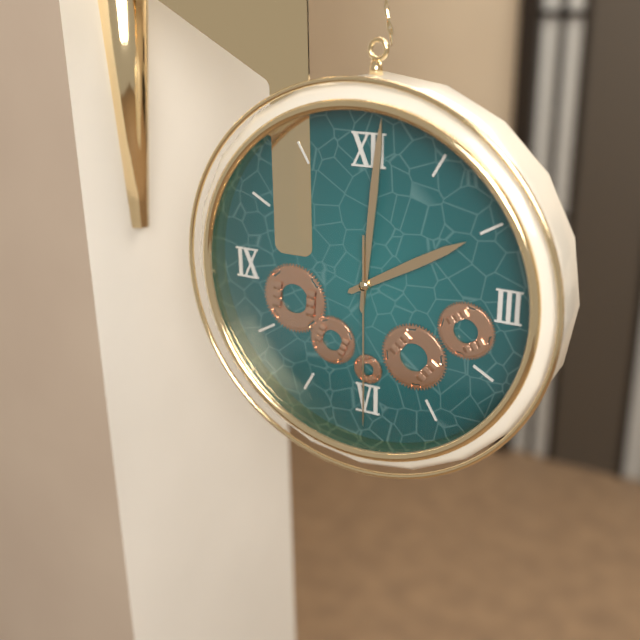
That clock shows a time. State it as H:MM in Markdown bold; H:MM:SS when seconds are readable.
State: **2:01:30**
